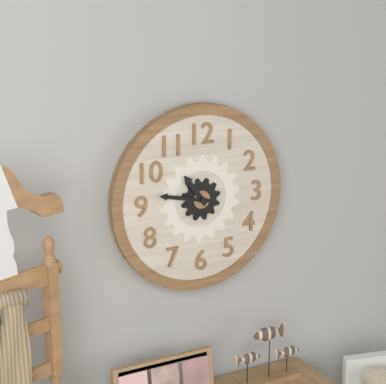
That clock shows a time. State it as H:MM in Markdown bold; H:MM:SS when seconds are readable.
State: **10:47**
